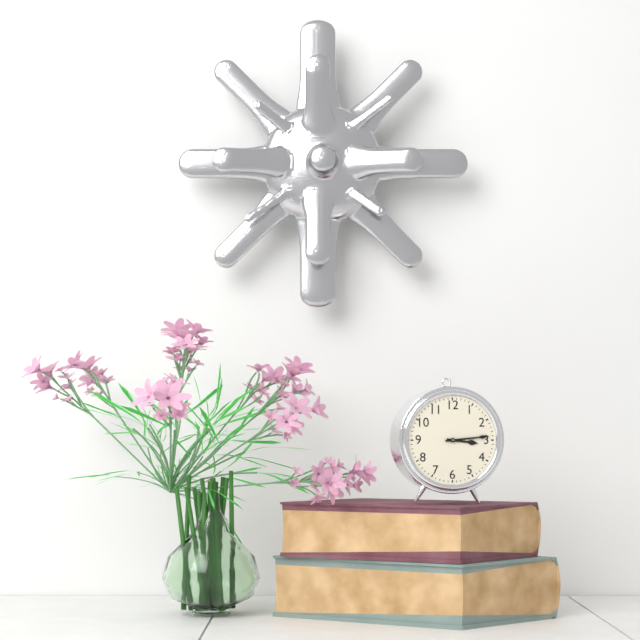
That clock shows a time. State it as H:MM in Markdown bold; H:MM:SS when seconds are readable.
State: **3:14**
